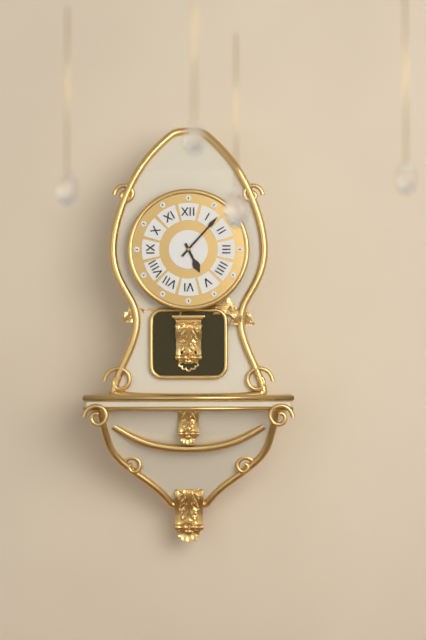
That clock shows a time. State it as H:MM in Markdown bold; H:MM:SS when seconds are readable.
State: **5:07**
